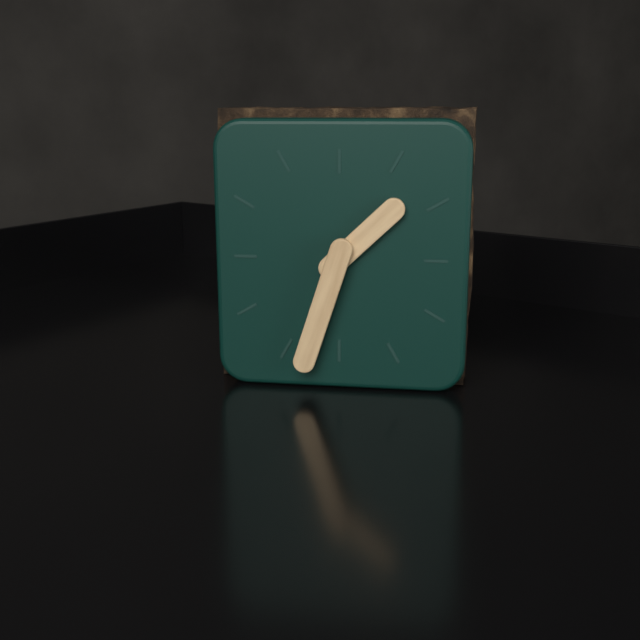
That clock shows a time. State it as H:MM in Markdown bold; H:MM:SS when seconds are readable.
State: **1:33**
